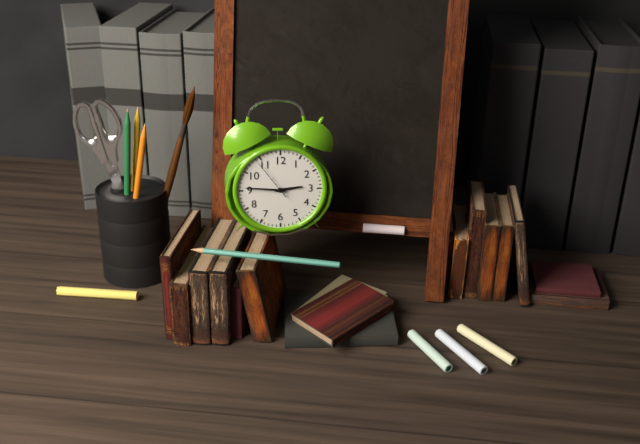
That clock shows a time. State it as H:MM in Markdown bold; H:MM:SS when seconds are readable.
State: **2:46**
